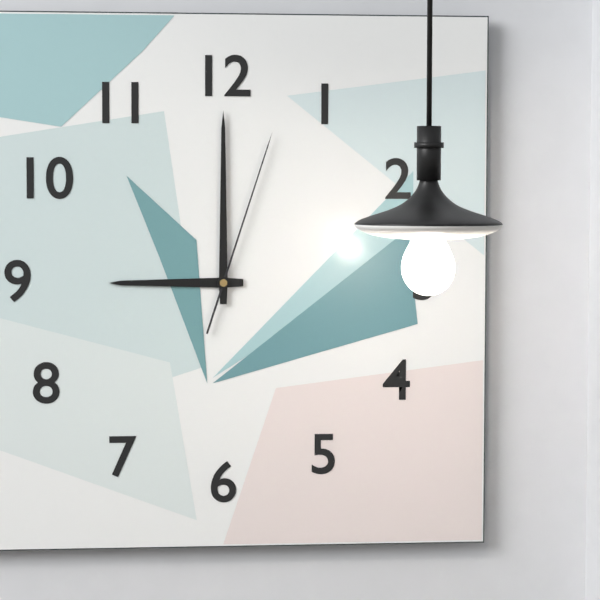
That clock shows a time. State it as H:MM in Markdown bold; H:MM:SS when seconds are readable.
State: **9:00:03**
